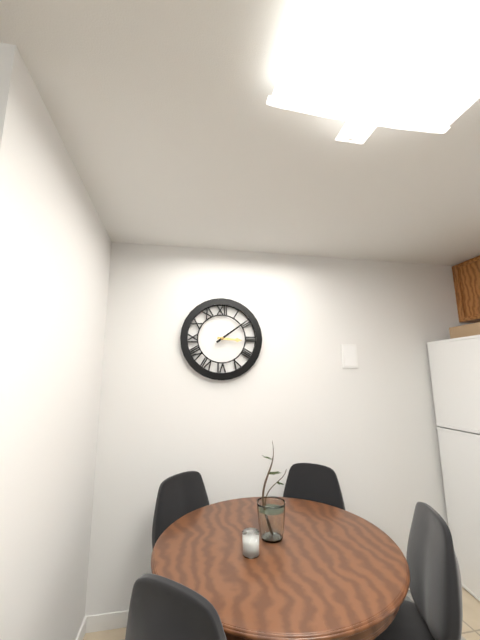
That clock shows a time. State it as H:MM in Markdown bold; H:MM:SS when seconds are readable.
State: **3:09**
